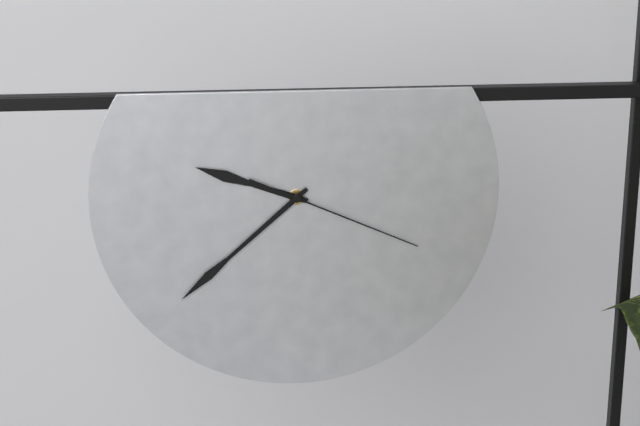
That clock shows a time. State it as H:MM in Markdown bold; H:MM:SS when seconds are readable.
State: **9:38:19**
